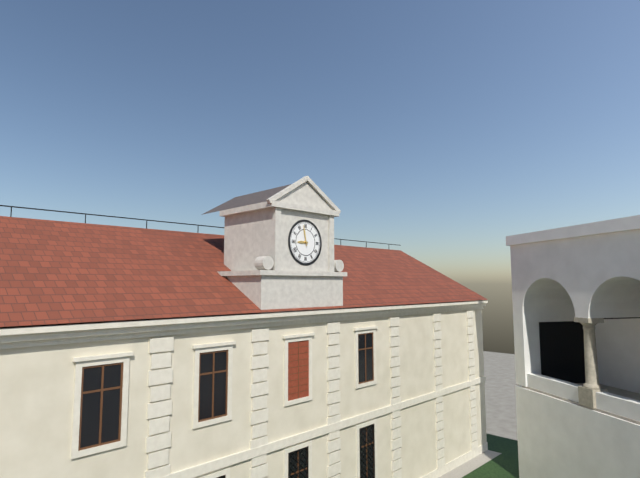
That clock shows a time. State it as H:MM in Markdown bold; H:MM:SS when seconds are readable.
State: **8:58**
